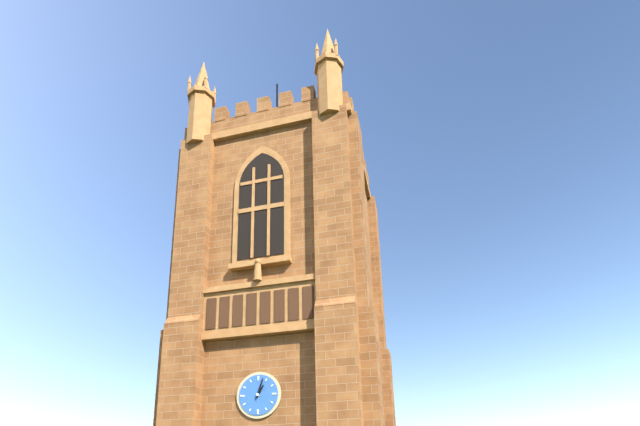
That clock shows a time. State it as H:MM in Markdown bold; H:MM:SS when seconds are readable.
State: **1:03**
